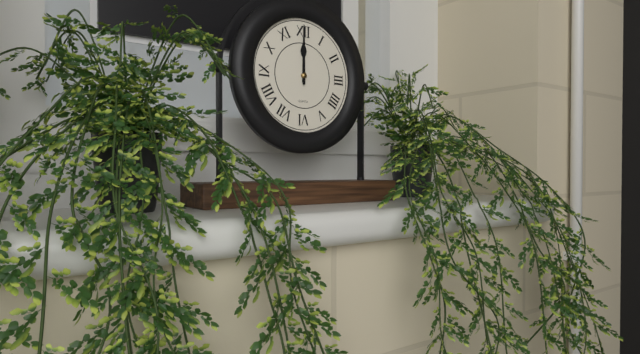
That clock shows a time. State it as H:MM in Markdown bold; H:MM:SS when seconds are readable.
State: **12:00**
